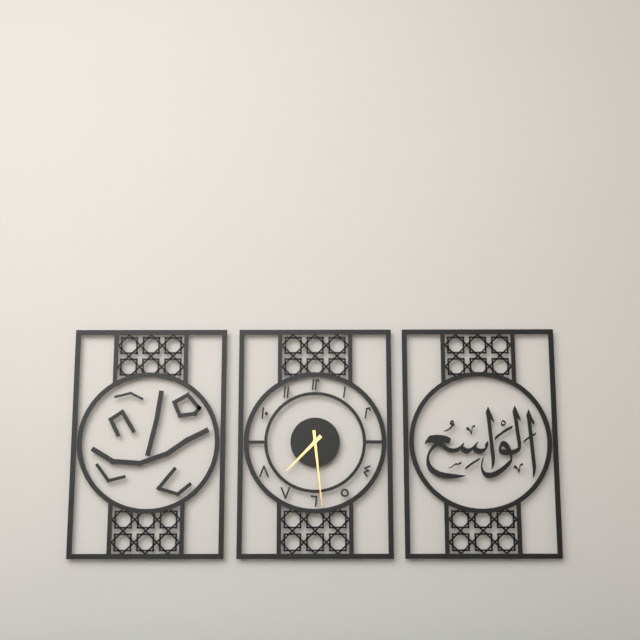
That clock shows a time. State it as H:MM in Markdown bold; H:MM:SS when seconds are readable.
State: **7:29**
